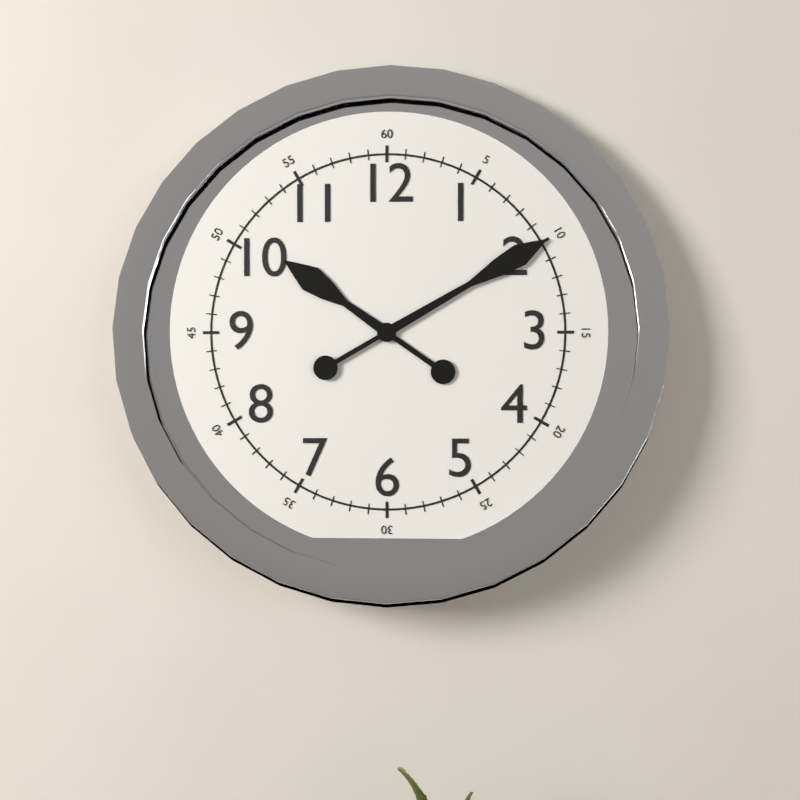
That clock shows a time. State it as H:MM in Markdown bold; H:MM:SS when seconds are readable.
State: **10:10**
